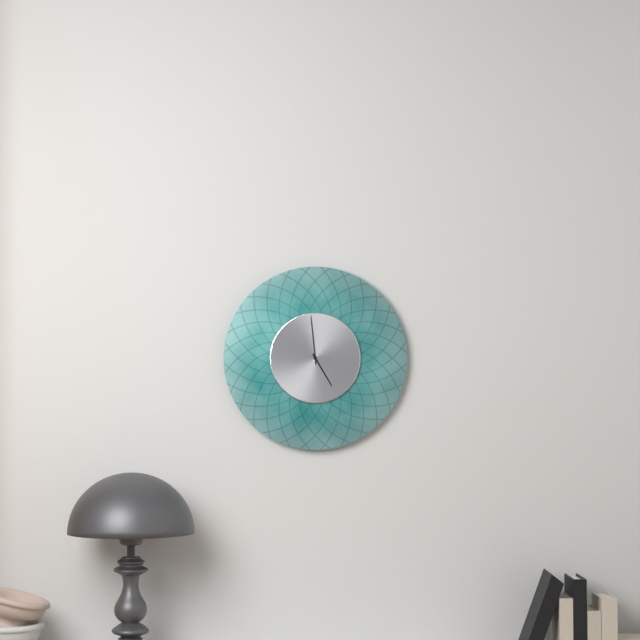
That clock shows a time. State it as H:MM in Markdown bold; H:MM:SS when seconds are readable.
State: **4:59**
